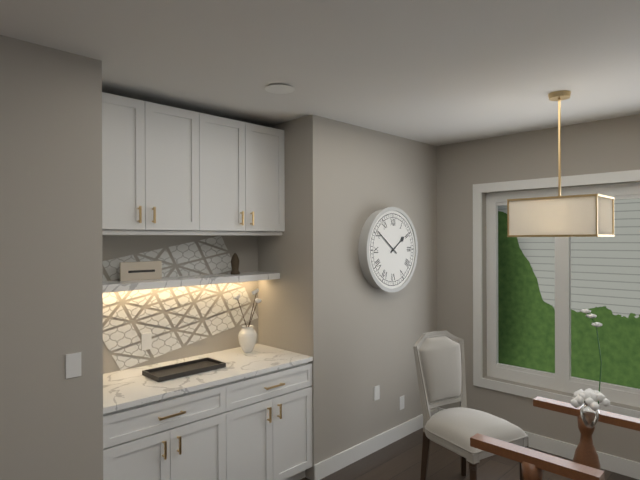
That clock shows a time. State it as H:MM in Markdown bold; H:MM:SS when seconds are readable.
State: **1:51**
